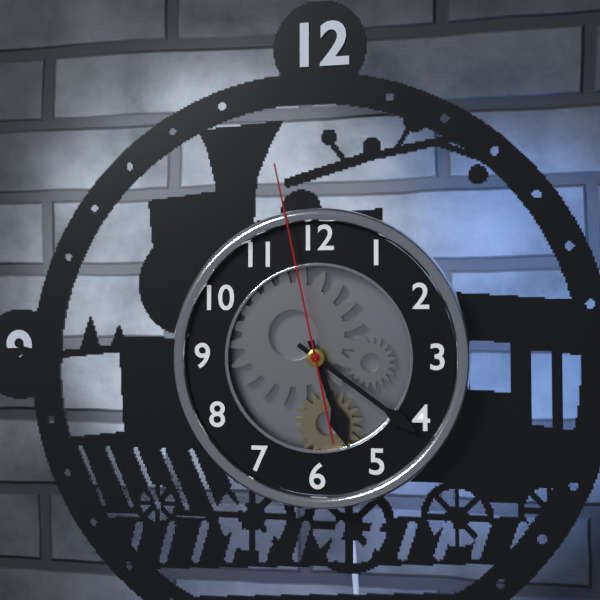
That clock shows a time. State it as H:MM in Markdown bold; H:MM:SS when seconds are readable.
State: **5:21:58**
